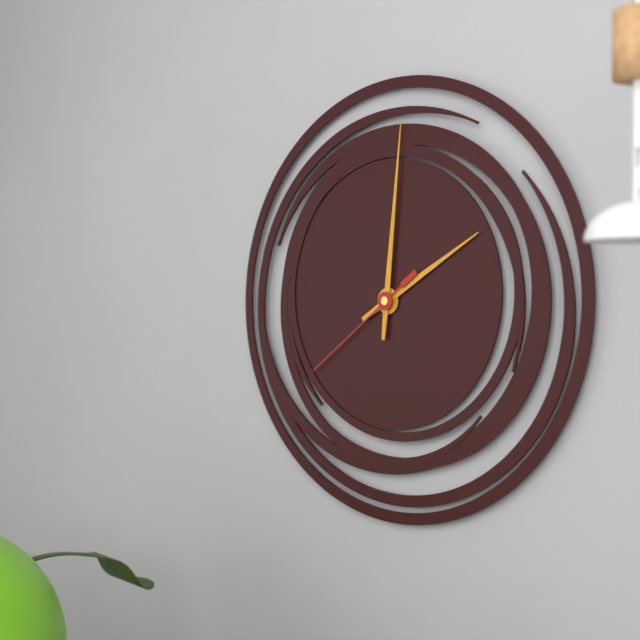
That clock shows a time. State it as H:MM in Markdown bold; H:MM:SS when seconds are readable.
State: **2:01:39**
